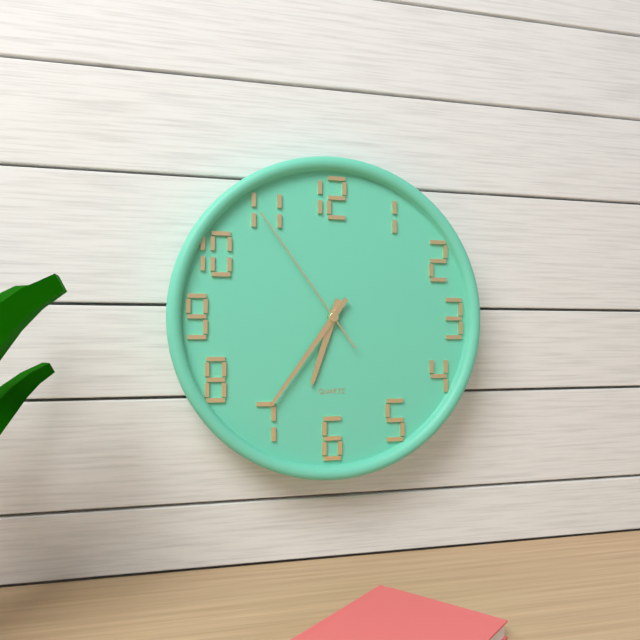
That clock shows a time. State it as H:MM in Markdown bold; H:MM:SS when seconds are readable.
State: **6:36:54**
